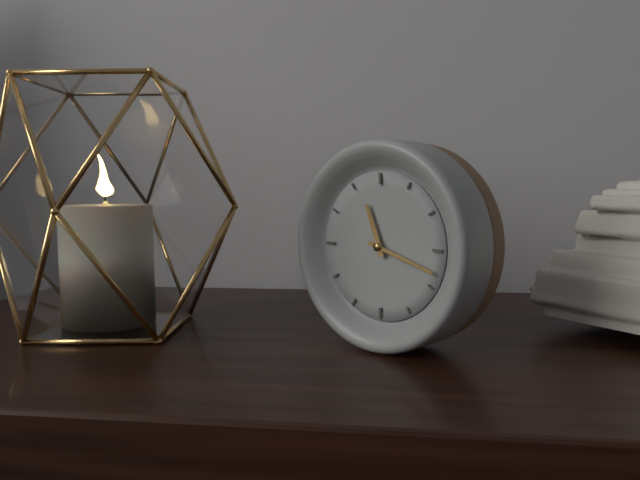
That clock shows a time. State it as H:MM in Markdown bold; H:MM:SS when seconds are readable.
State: **11:18**
